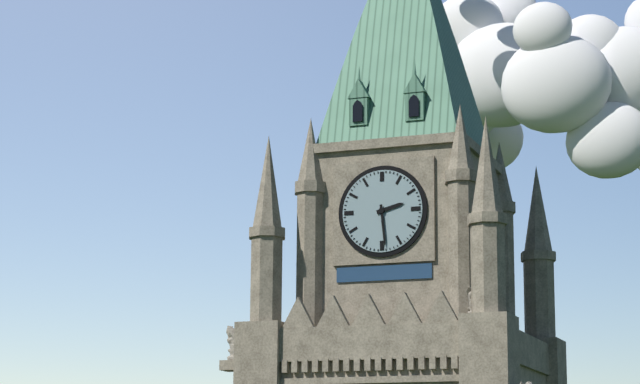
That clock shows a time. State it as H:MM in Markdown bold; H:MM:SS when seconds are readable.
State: **2:29**
